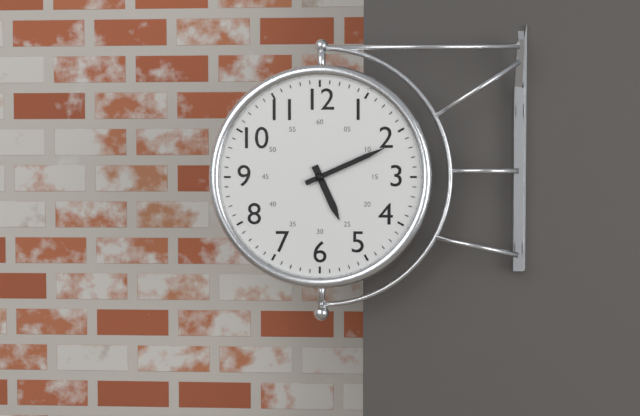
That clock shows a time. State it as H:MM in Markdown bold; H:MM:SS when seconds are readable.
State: **5:11**
